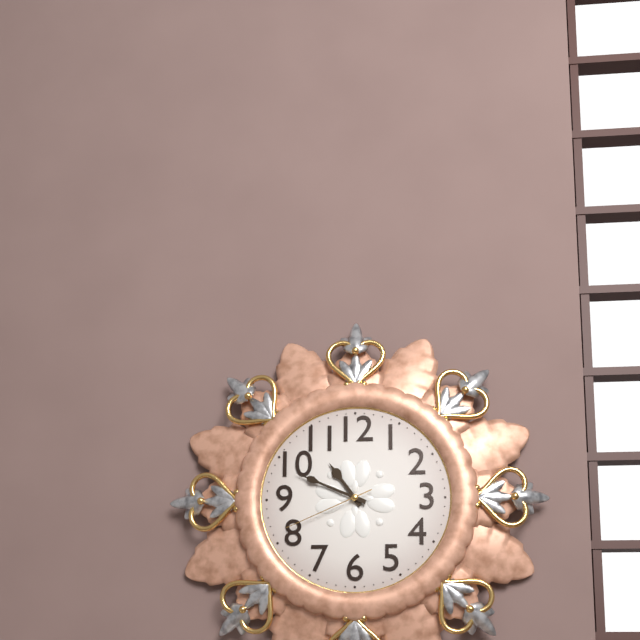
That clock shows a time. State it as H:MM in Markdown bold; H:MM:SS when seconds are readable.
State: **10:49:41**
